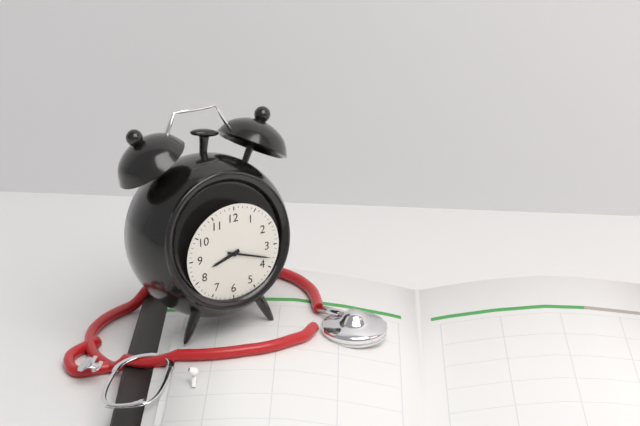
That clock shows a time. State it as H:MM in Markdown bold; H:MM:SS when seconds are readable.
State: **8:18**
